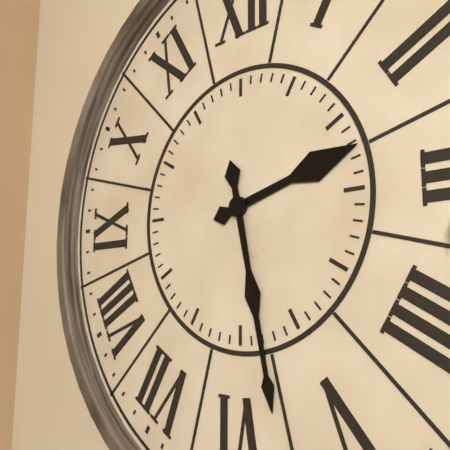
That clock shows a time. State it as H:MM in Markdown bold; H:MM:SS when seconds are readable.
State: **2:28**
